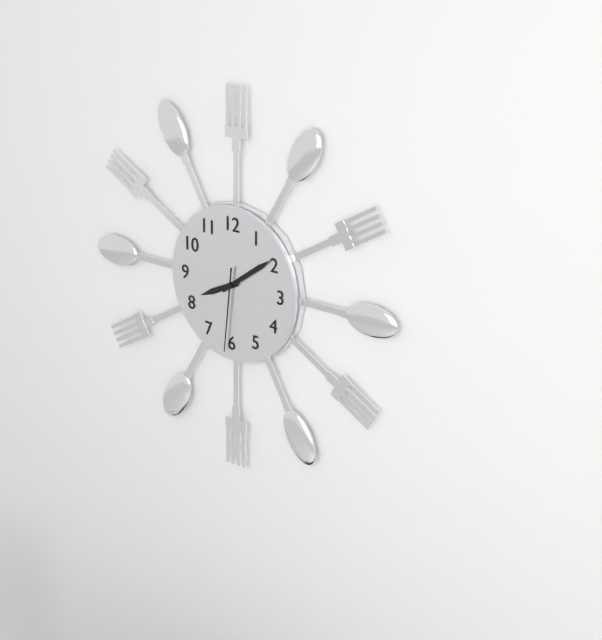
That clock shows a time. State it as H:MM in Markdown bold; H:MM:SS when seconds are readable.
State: **8:09:31**
